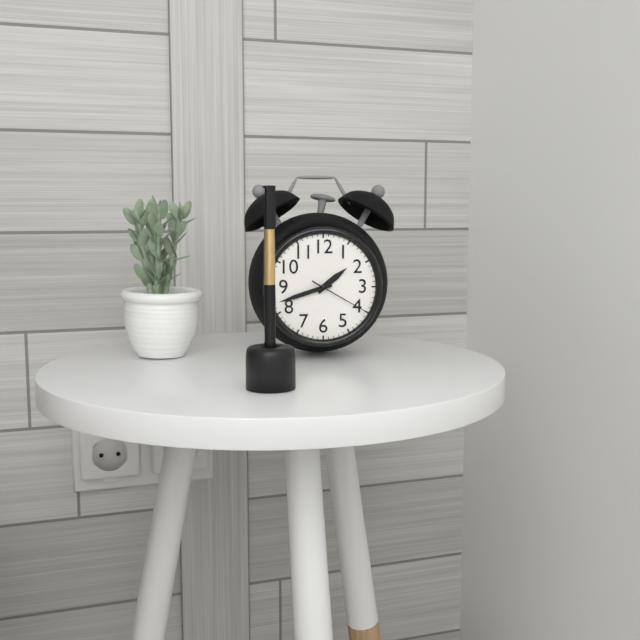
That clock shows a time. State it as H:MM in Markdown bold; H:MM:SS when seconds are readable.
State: **1:42:20**
